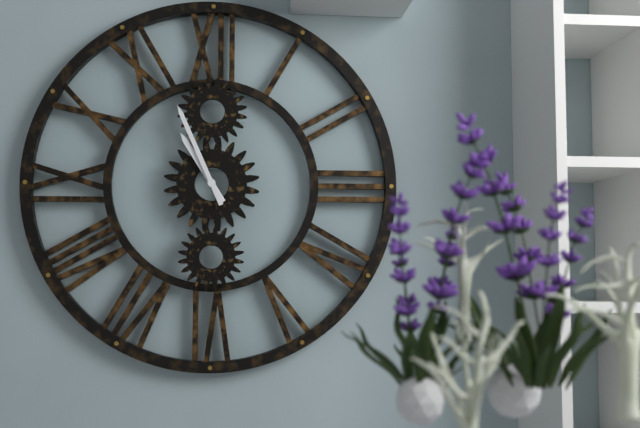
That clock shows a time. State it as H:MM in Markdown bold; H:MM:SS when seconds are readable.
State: **10:56**
